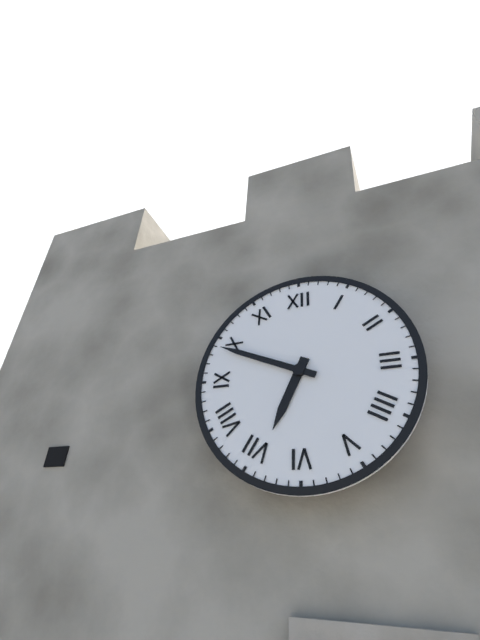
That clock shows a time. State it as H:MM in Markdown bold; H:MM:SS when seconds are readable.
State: **6:49**
